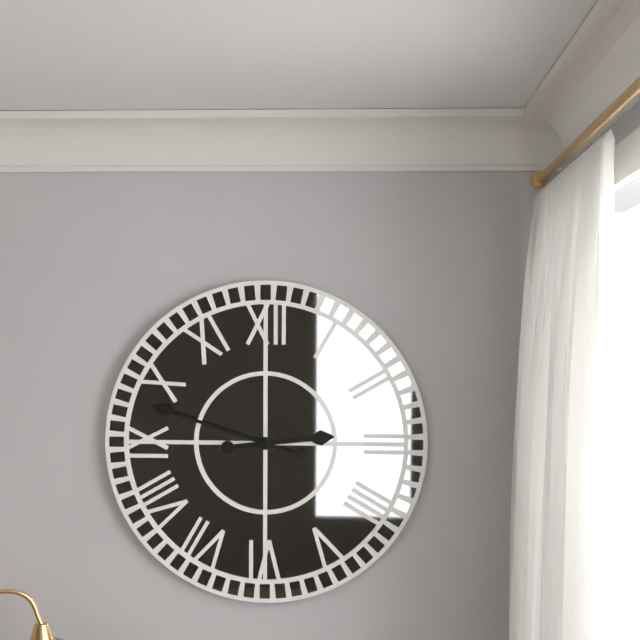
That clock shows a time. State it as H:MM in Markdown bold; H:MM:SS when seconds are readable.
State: **2:48**
